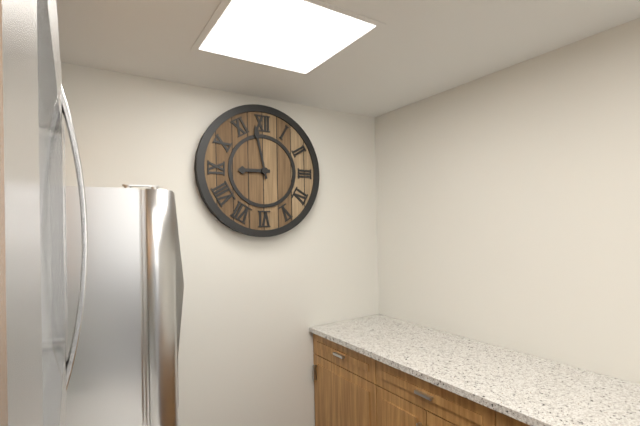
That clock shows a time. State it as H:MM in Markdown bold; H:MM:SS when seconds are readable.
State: **8:58**
